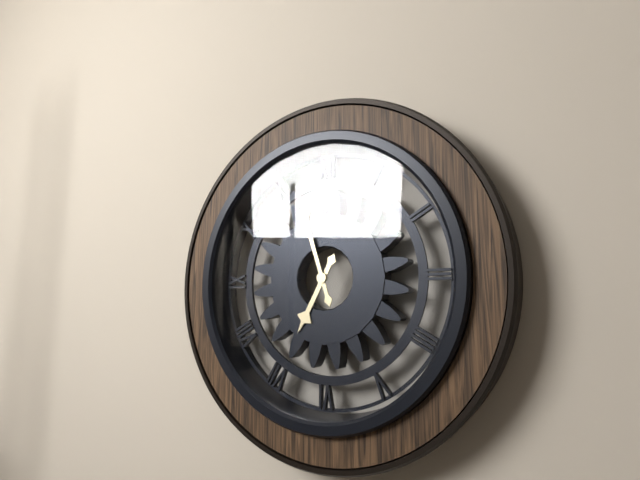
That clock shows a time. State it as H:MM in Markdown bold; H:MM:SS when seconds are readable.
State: **6:57**
